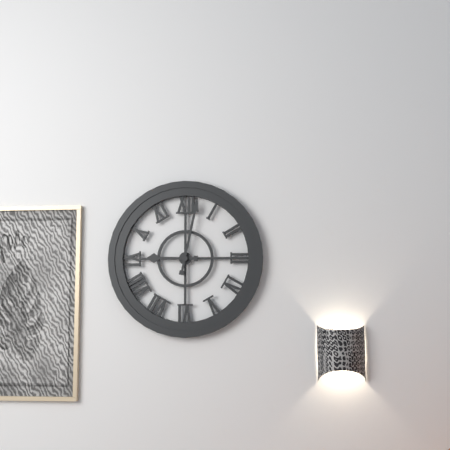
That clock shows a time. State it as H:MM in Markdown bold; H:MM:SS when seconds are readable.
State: **9:02**
